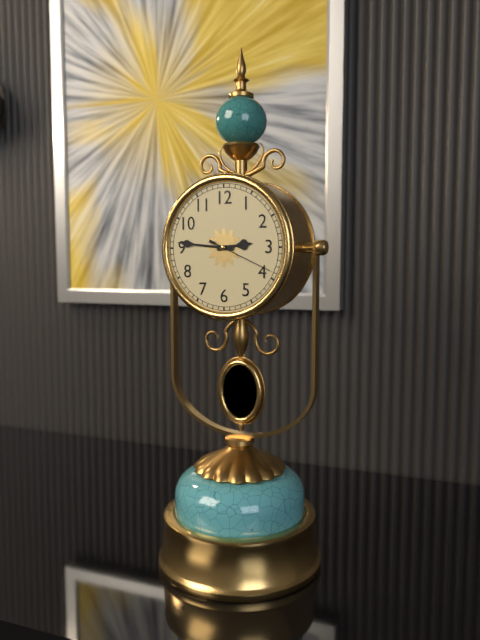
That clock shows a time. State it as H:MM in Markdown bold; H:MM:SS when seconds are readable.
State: **2:46:19**
